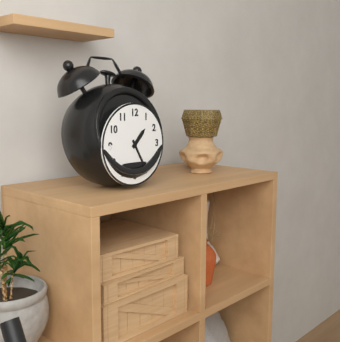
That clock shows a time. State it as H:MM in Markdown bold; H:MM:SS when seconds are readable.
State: **1:25**
